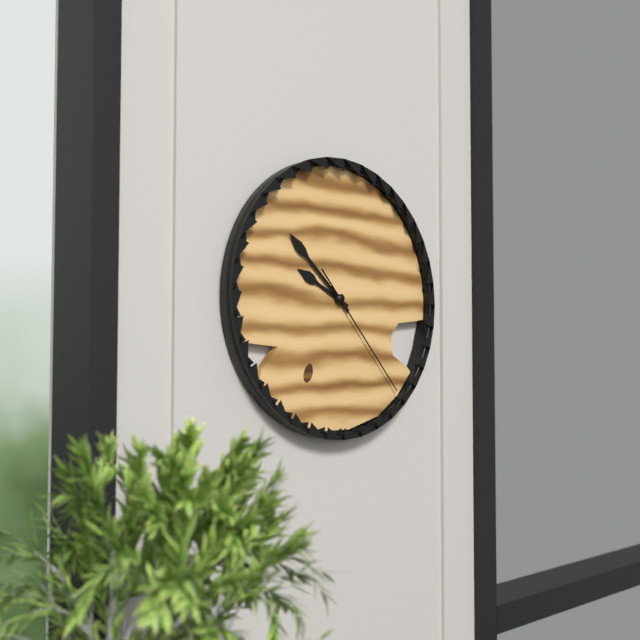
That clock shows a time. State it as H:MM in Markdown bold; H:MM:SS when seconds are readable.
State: **9:52:23**
